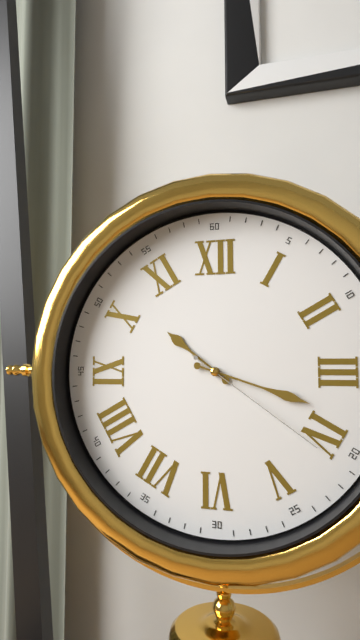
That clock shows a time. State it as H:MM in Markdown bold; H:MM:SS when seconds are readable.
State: **10:18:21**
